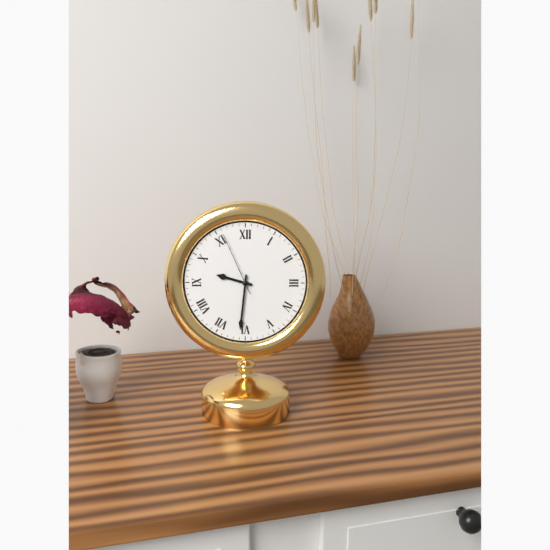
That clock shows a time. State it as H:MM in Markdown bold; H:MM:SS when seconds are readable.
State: **9:31:56**
